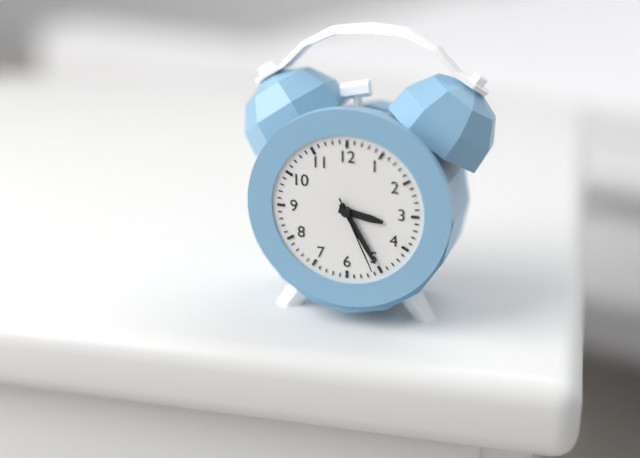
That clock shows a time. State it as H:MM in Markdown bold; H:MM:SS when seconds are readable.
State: **3:25:26**
